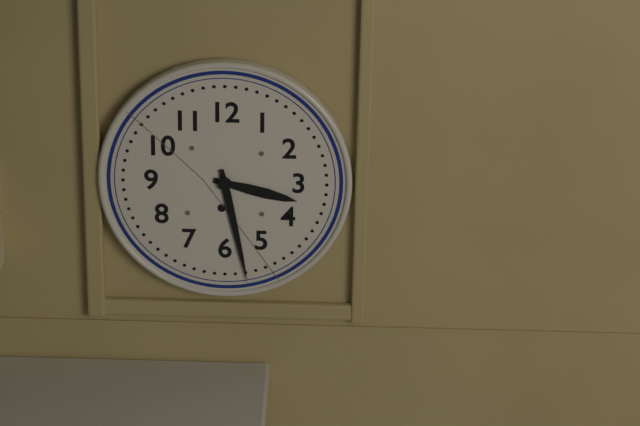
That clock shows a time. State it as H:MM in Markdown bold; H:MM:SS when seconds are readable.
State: **3:28**
